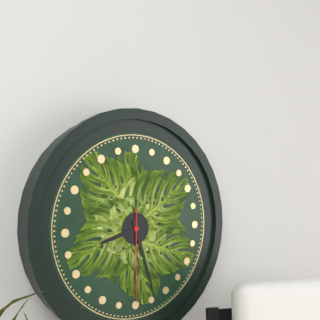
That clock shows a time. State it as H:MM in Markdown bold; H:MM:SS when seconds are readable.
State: **8:27:30**
